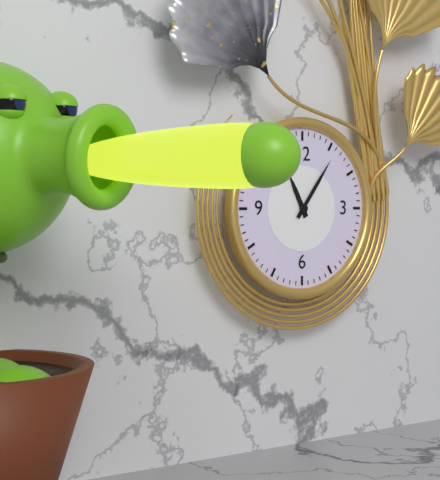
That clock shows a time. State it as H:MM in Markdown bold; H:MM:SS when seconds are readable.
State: **11:06**
